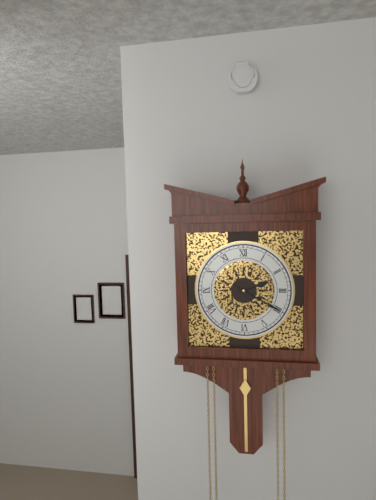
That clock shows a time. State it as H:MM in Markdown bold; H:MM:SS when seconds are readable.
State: **2:20**
